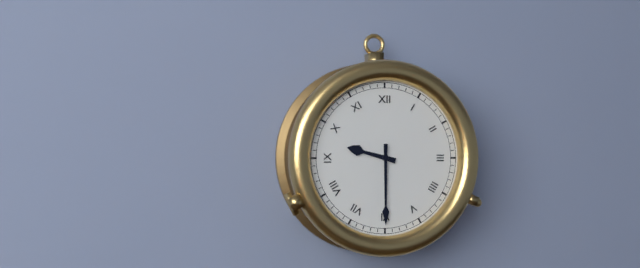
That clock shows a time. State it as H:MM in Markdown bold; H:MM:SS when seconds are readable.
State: **9:30**
